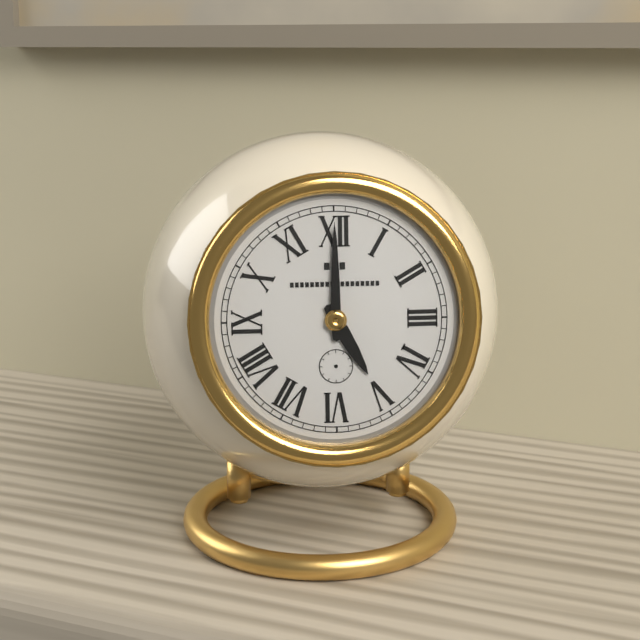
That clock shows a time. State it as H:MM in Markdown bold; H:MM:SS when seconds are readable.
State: **5:00**
